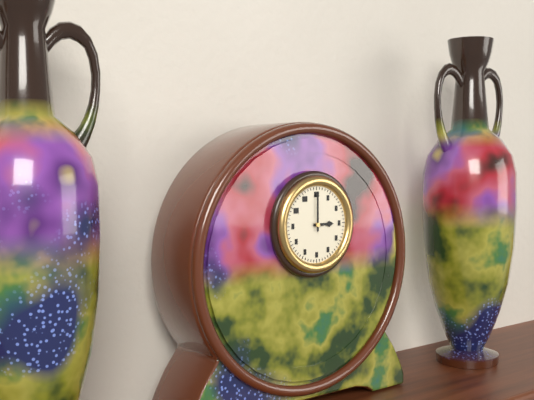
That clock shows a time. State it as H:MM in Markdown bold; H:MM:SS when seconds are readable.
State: **3:00**
